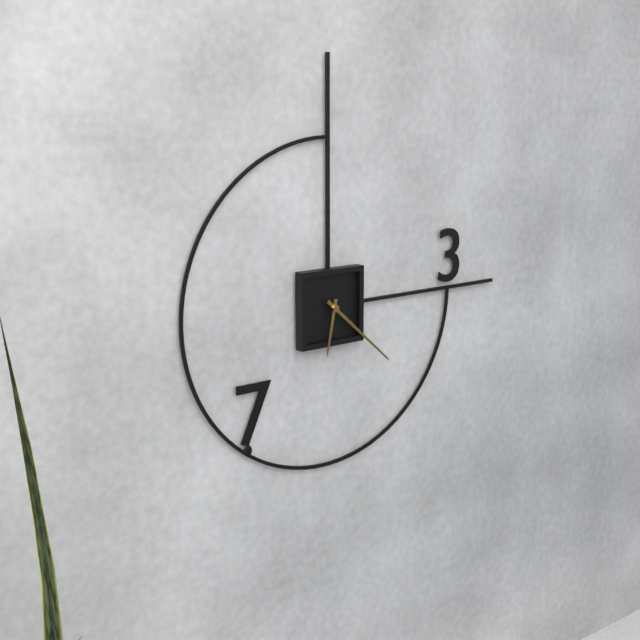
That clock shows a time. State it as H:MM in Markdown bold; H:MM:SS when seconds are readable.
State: **6:22**
